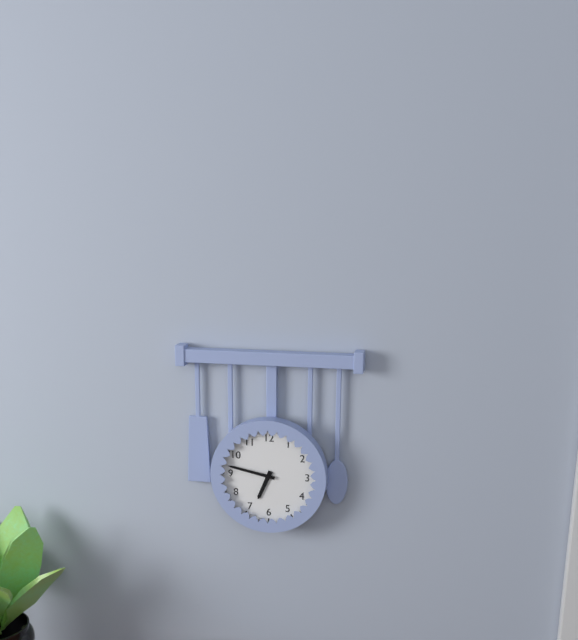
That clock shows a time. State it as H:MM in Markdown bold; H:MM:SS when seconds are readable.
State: **6:47**
